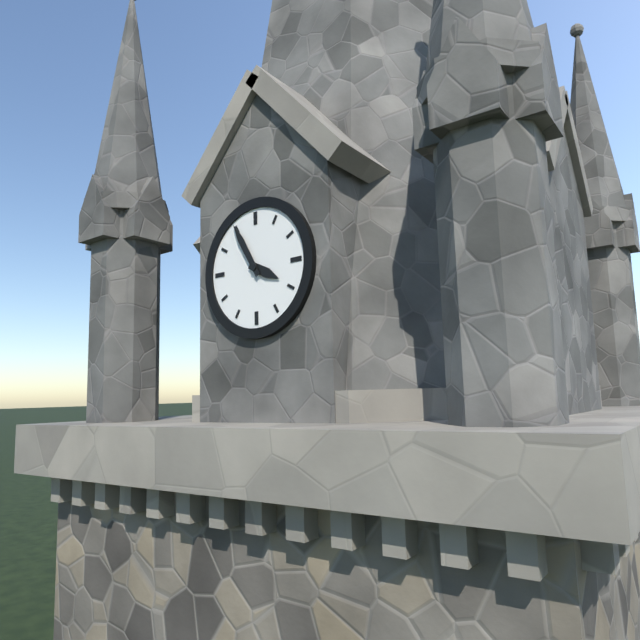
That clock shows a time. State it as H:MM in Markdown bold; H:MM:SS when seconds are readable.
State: **3:55**
